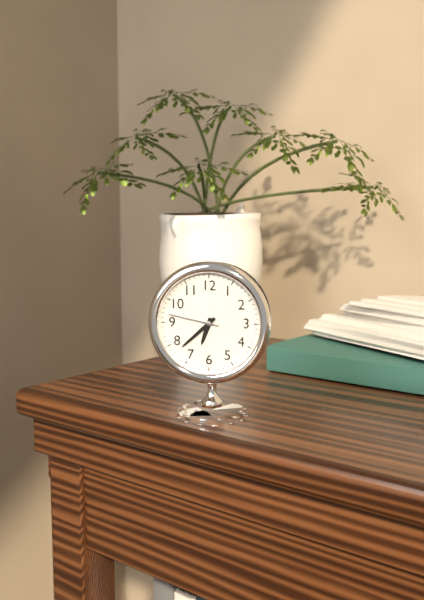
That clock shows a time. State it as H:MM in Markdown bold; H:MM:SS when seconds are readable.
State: **6:38:47**
